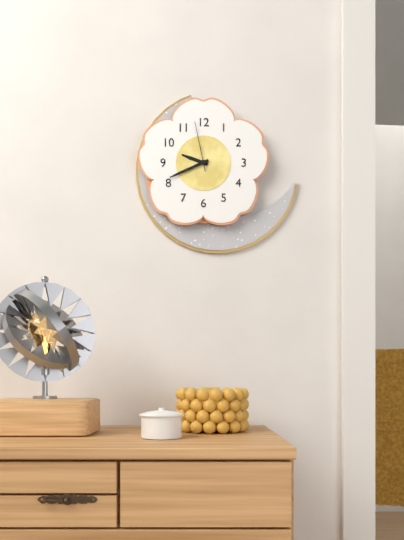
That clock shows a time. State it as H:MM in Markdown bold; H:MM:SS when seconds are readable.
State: **9:41:58**
